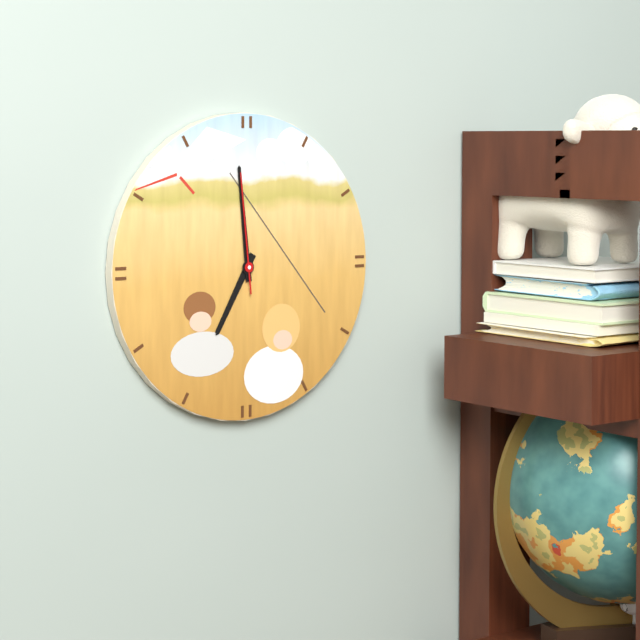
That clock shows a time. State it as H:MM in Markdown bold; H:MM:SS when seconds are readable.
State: **6:59:59**
